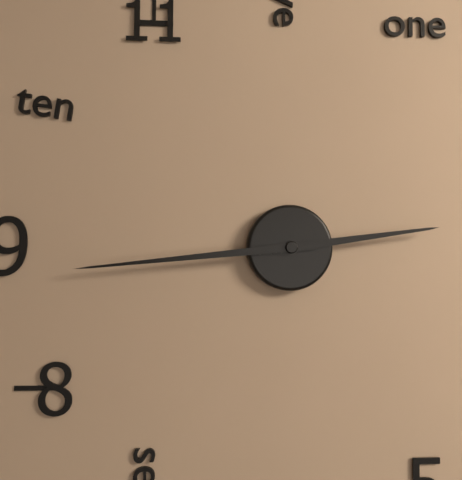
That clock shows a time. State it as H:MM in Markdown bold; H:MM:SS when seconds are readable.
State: **2:44**
